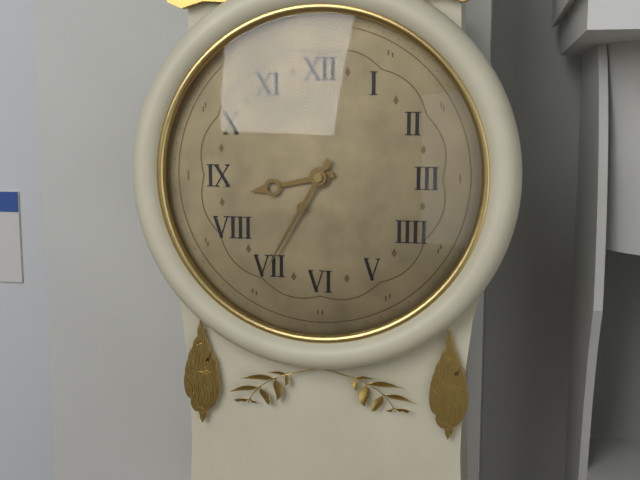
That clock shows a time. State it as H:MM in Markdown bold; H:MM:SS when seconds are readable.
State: **8:35**
